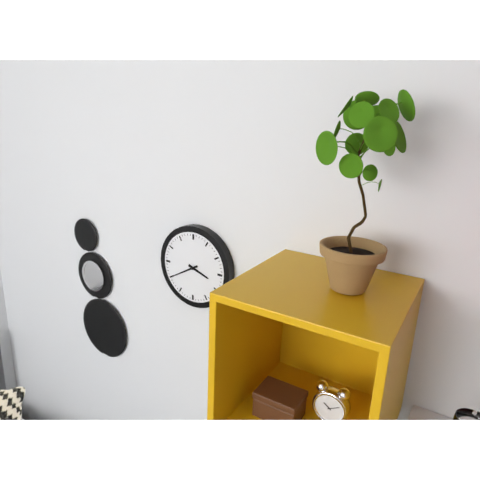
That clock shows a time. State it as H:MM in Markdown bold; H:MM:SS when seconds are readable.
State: **3:40**
